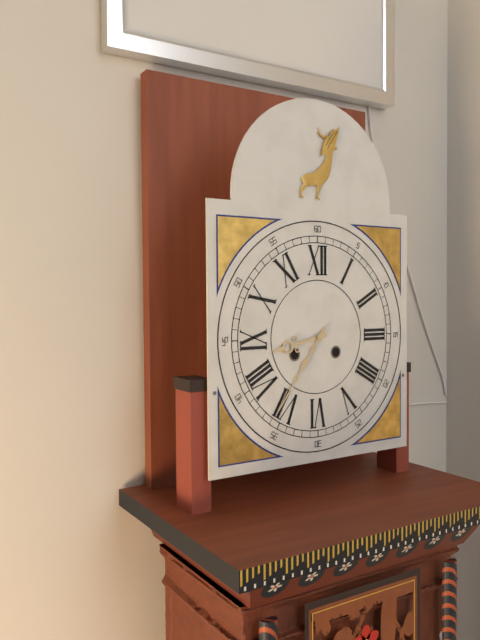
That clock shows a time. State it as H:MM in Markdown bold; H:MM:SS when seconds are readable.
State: **8:36**
